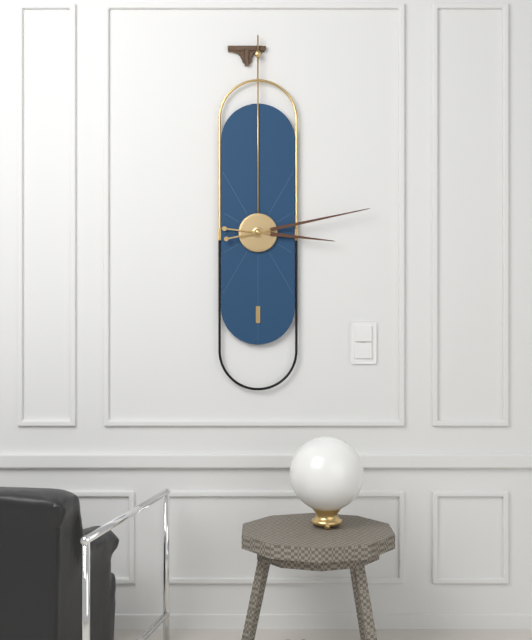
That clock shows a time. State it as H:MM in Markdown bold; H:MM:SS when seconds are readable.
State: **3:13**
